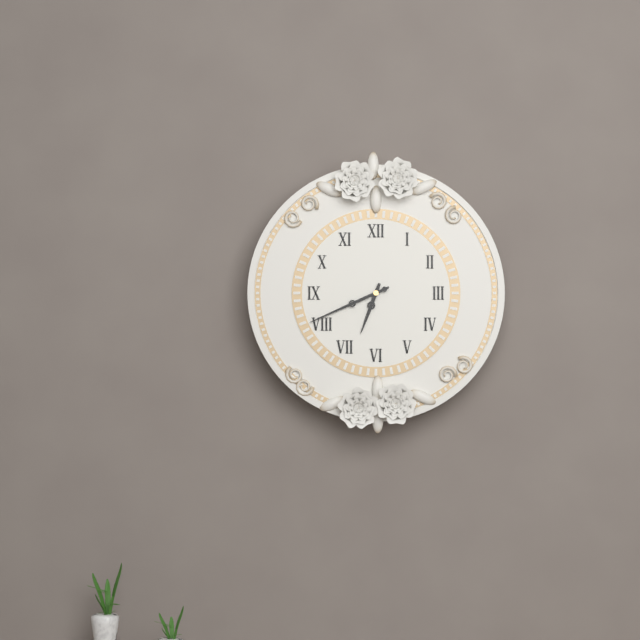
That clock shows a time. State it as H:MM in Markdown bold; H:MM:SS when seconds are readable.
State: **6:41**
